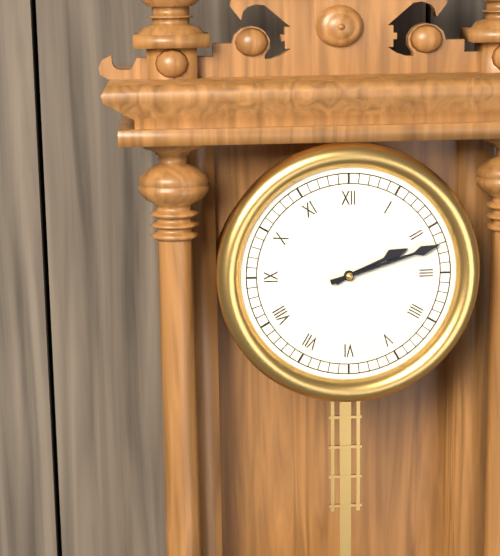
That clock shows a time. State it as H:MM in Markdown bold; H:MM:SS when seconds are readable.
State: **2:12**
